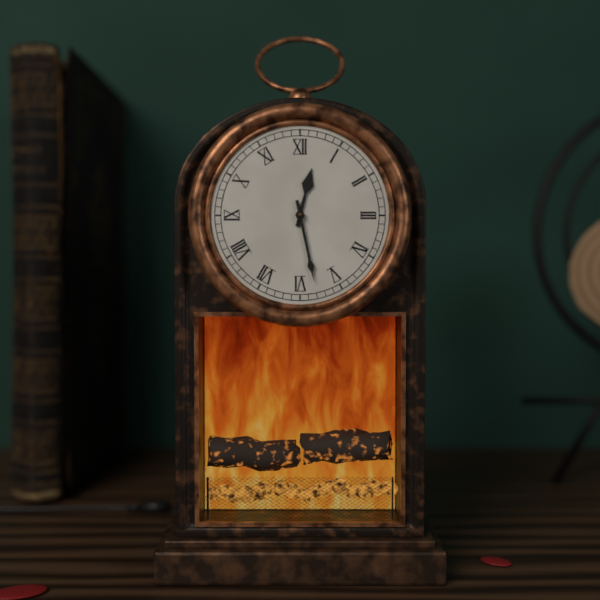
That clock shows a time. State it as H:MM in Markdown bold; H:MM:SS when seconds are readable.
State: **12:28**
